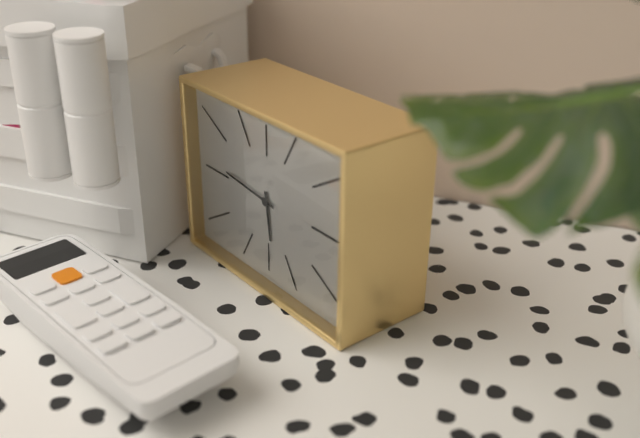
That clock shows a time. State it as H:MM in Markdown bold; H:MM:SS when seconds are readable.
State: **5:46**
